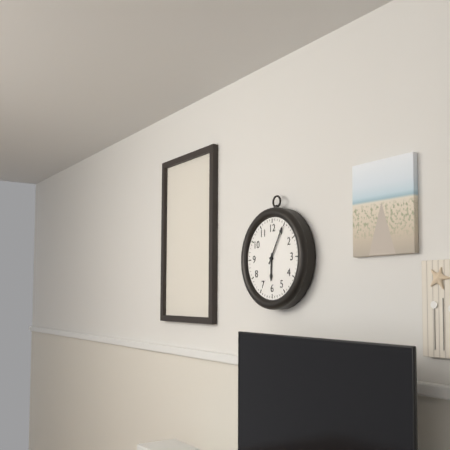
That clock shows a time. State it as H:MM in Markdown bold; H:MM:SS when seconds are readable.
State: **6:05**
